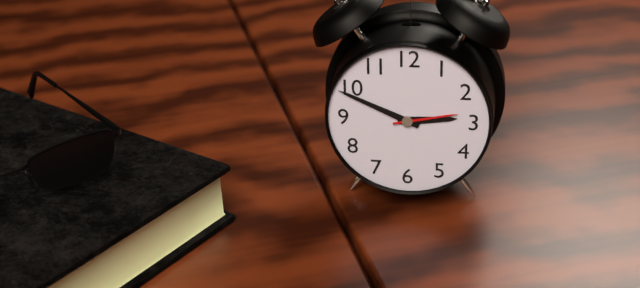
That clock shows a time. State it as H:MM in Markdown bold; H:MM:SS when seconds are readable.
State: **2:49:13**
